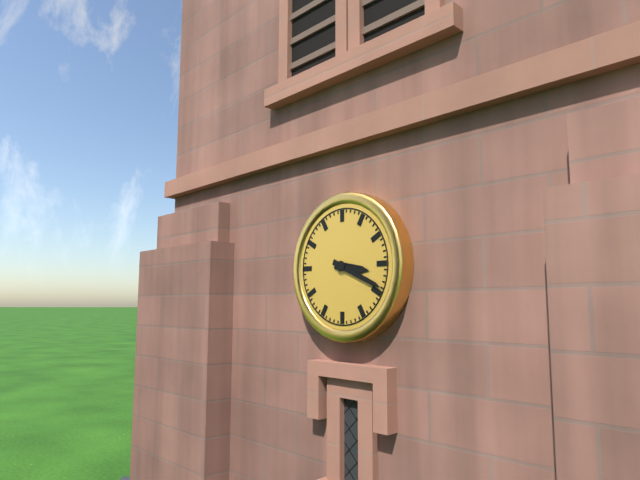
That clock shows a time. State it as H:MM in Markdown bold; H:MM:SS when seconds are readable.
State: **3:19**
